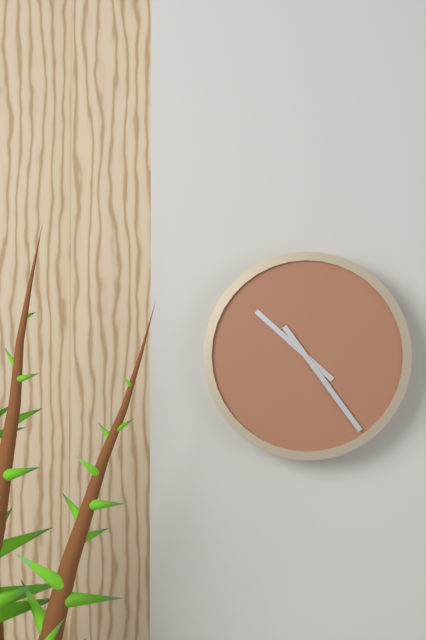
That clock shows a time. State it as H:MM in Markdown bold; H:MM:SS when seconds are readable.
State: **10:24**
